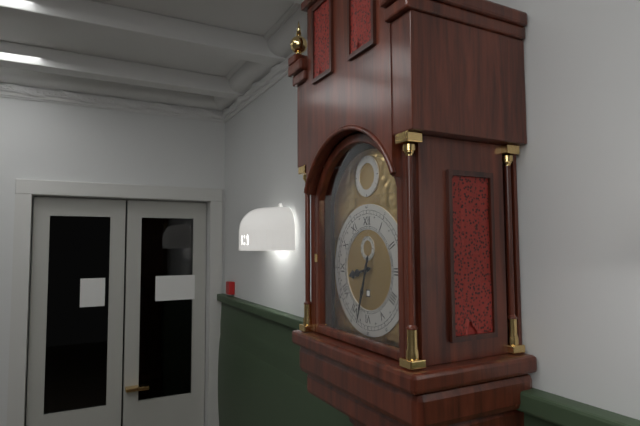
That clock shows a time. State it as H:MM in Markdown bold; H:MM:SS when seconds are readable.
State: **8:33**
